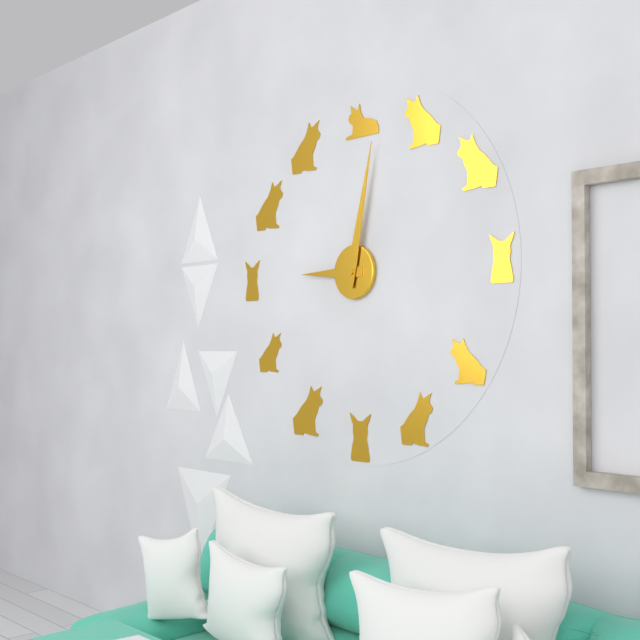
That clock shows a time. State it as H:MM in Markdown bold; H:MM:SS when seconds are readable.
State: **9:02**
